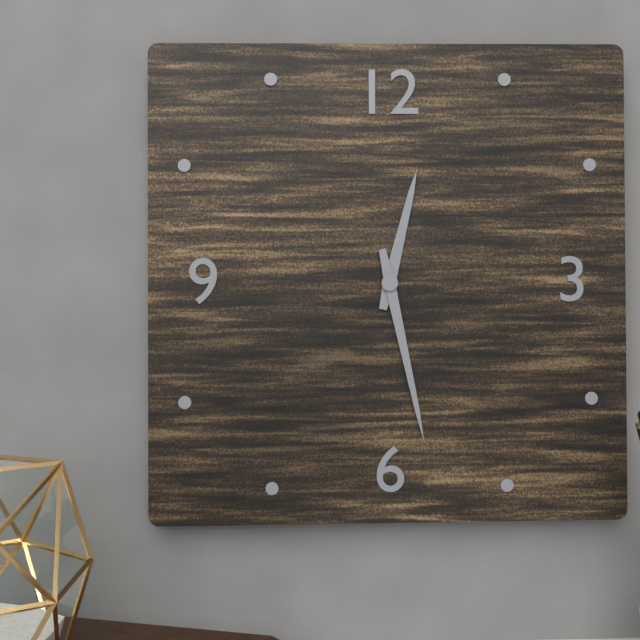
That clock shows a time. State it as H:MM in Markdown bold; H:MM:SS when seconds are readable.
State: **12:28**
